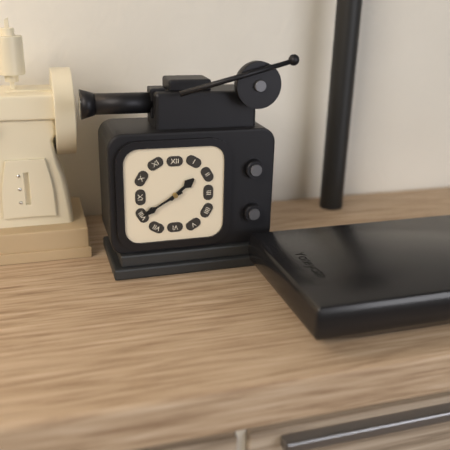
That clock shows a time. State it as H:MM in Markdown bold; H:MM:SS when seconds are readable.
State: **1:40**
